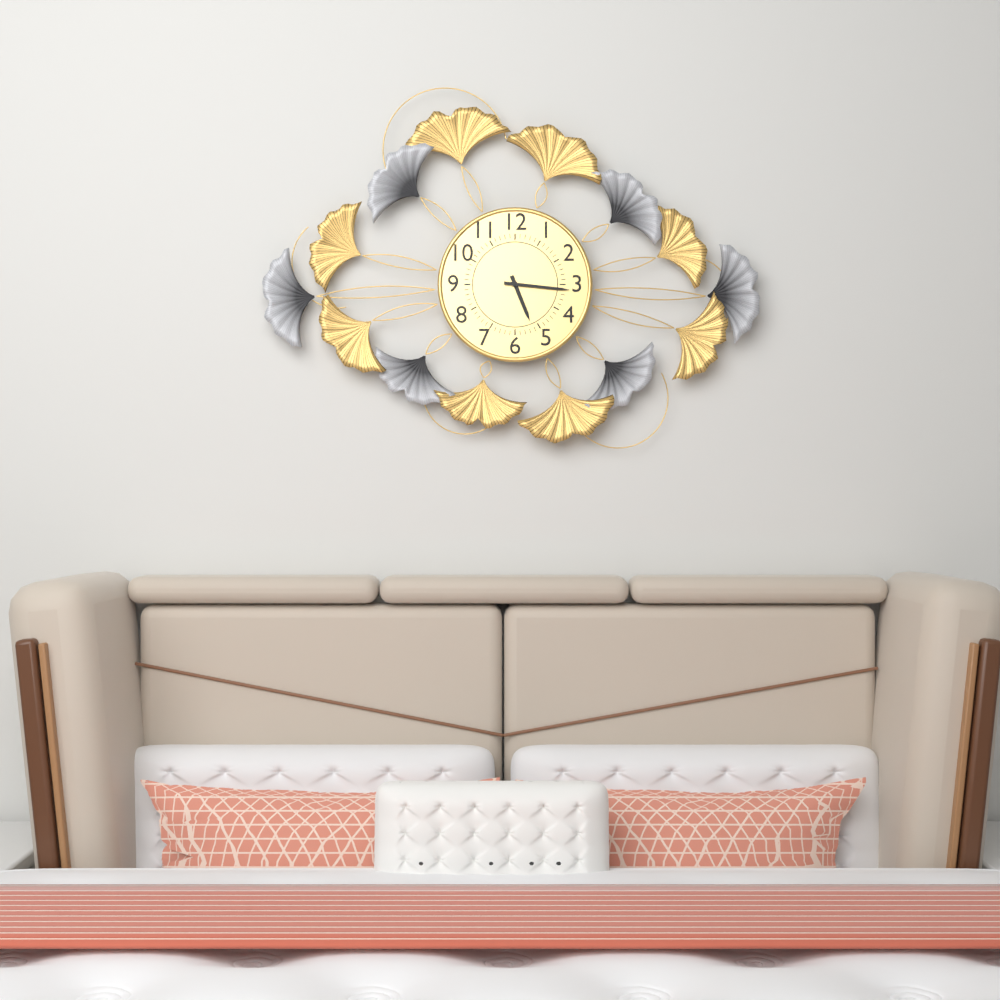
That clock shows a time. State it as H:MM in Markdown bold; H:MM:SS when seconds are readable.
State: **5:16**
